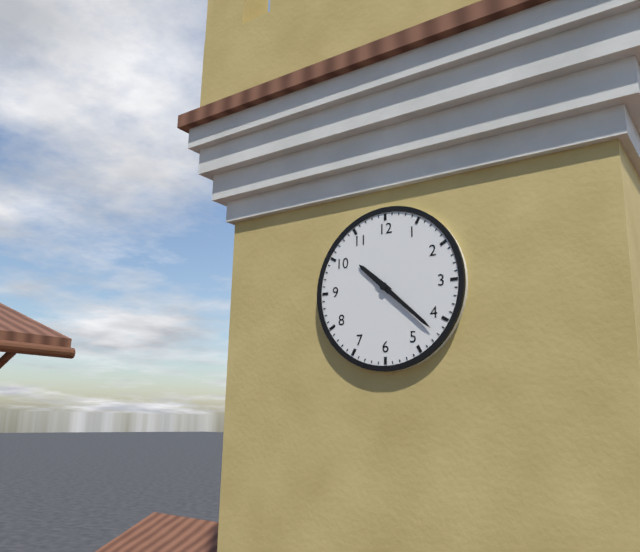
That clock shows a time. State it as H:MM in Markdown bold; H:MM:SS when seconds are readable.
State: **10:22**
